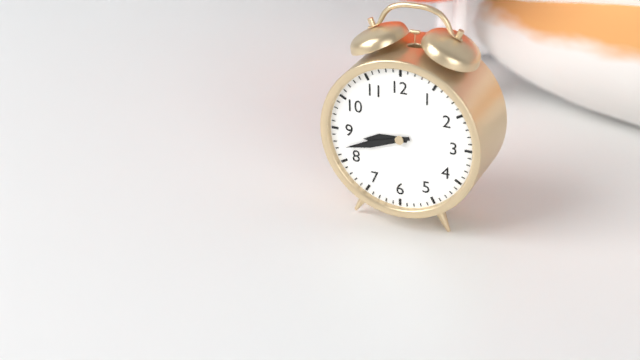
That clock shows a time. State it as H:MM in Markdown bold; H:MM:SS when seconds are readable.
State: **8:42**
